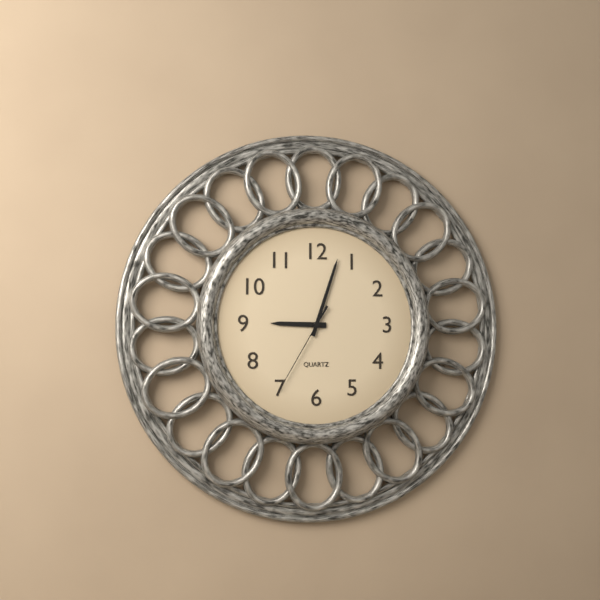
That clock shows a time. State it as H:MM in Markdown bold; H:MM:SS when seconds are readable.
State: **9:03:35**
